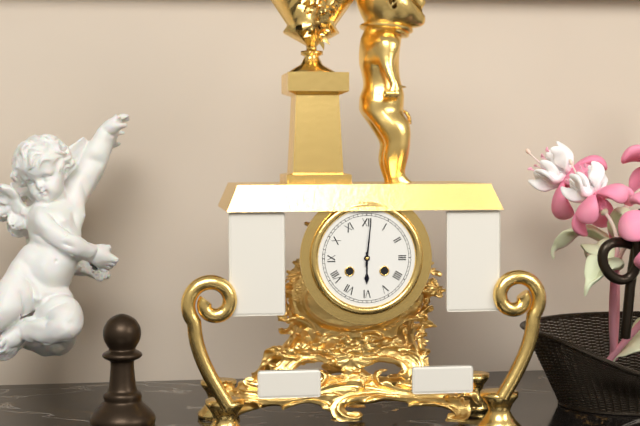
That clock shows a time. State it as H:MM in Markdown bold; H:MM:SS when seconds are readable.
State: **6:01**
